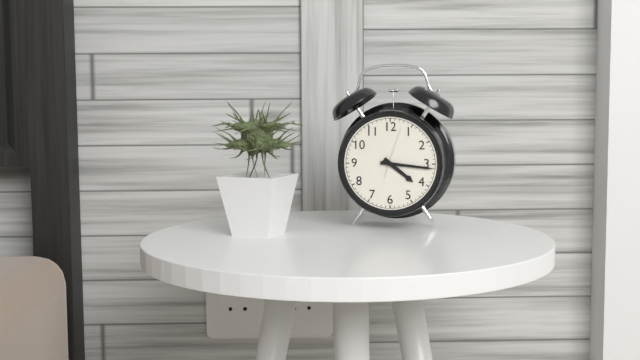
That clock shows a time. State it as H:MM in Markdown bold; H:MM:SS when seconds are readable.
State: **4:16:03**
